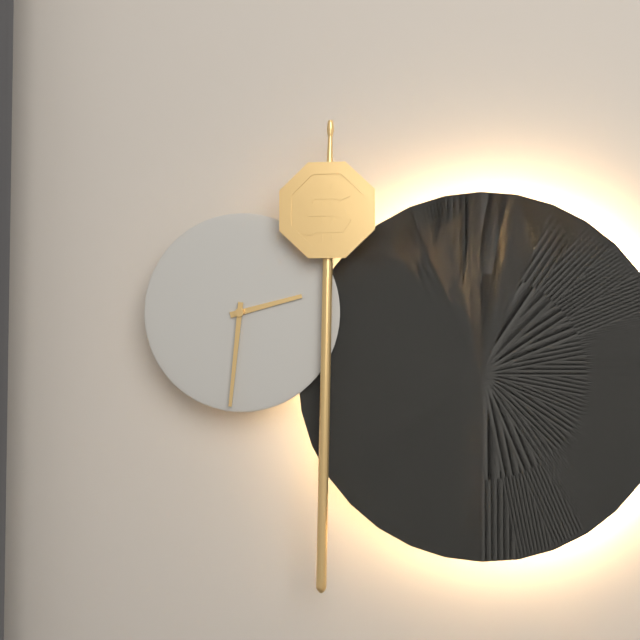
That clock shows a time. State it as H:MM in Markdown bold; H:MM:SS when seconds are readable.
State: **2:31**
